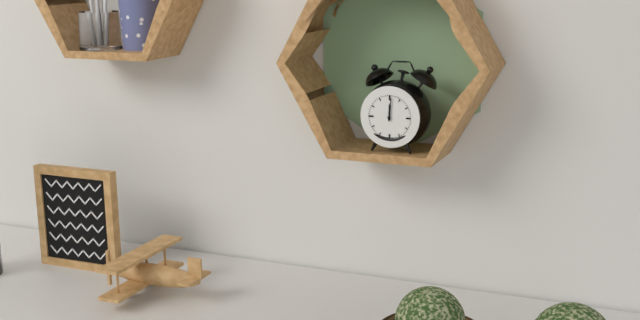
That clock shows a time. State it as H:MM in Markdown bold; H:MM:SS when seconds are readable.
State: **12:01**
